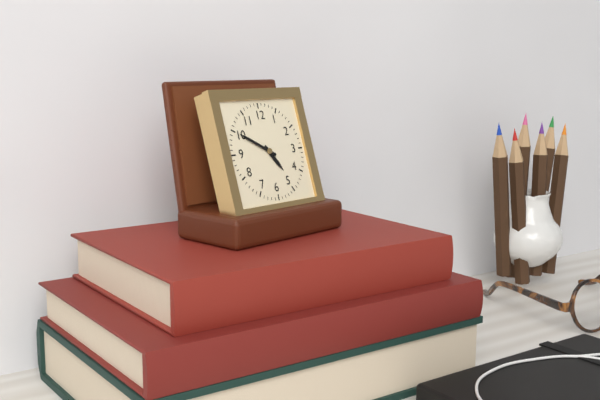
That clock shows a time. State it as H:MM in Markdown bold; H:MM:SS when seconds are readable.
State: **4:50**
